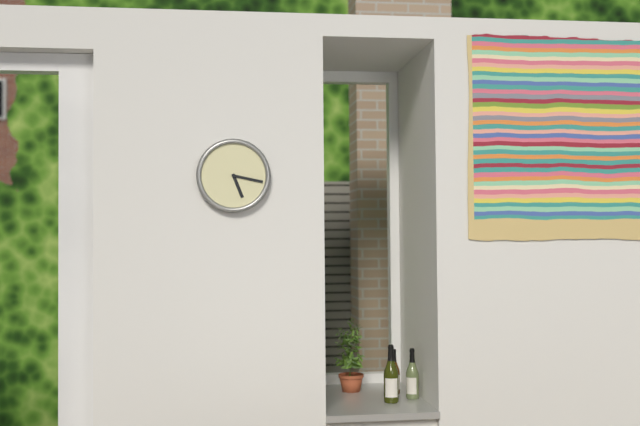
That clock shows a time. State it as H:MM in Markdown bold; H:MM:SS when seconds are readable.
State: **5:17**
